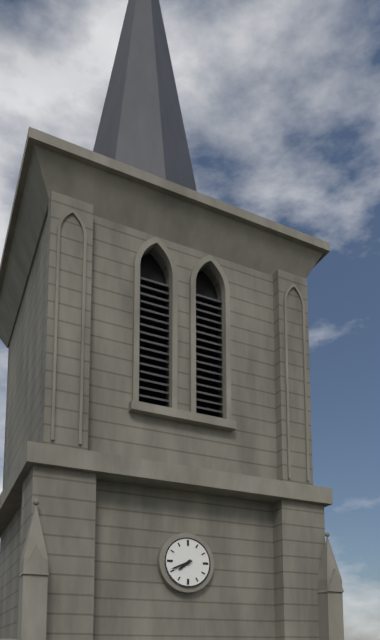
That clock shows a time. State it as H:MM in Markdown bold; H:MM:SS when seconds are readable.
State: **7:41**
